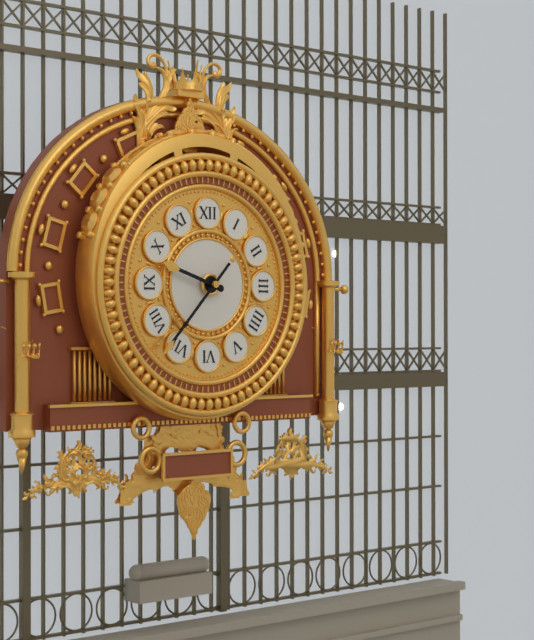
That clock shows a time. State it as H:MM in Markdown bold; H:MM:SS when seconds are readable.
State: **9:37**
